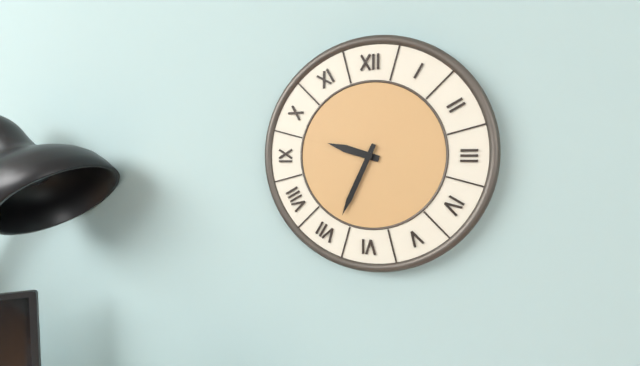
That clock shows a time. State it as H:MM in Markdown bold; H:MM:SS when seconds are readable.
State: **9:34**
